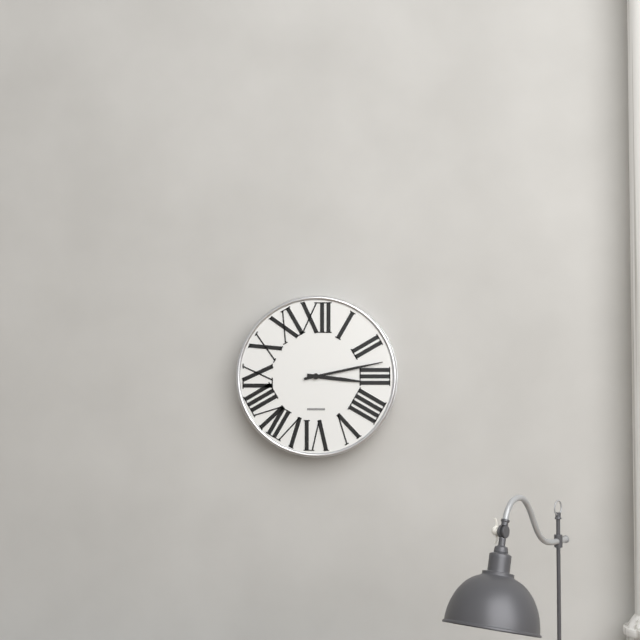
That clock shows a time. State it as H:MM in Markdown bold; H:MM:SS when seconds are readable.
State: **3:13**
